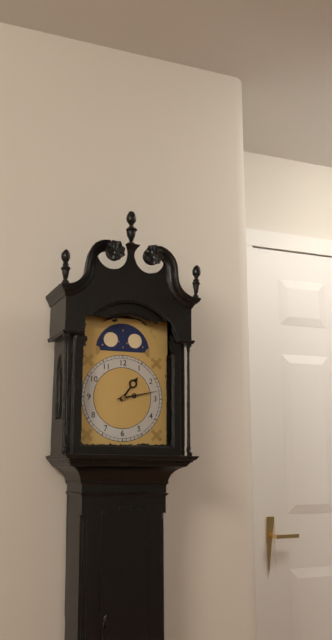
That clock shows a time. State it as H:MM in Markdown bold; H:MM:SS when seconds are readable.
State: **1:13**
